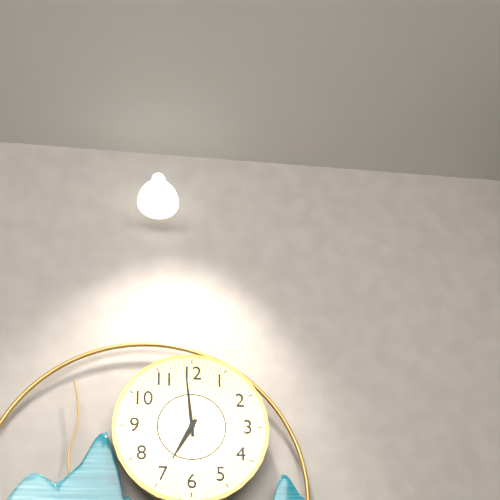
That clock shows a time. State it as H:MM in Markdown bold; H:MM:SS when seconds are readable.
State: **6:59**
